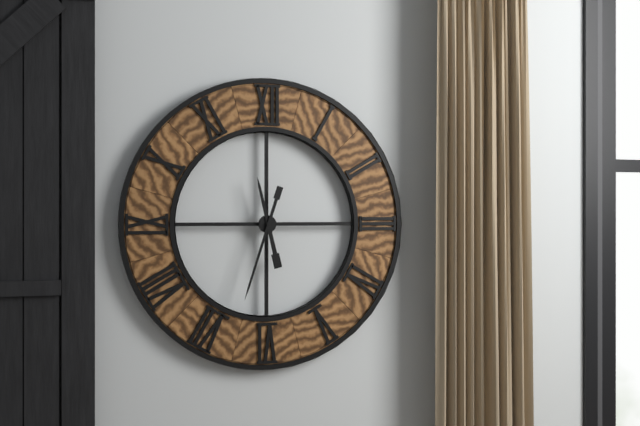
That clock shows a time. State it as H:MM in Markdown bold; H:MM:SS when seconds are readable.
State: **11:33**
